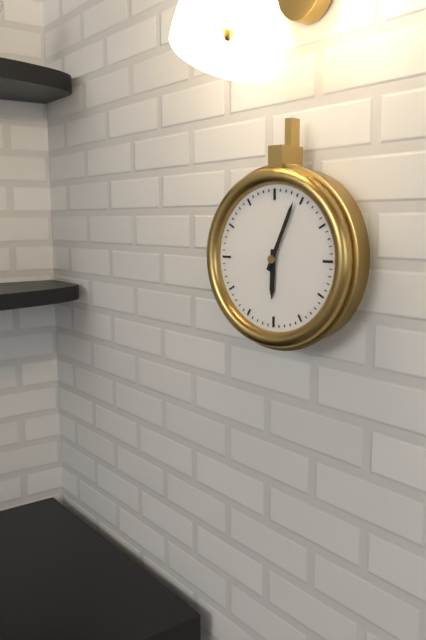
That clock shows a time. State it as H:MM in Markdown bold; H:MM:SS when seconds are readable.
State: **6:04**
